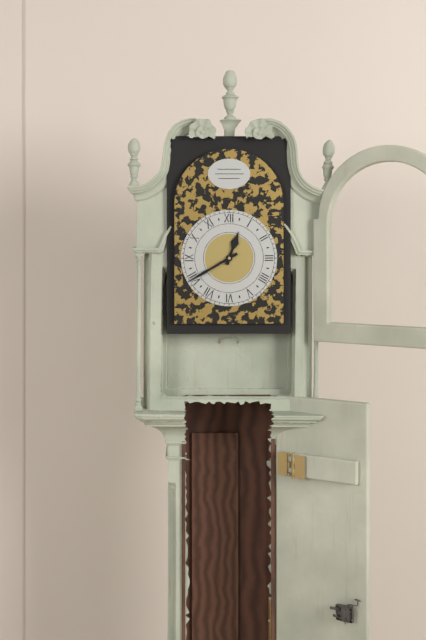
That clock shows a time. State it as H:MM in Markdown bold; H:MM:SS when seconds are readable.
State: **12:40**
